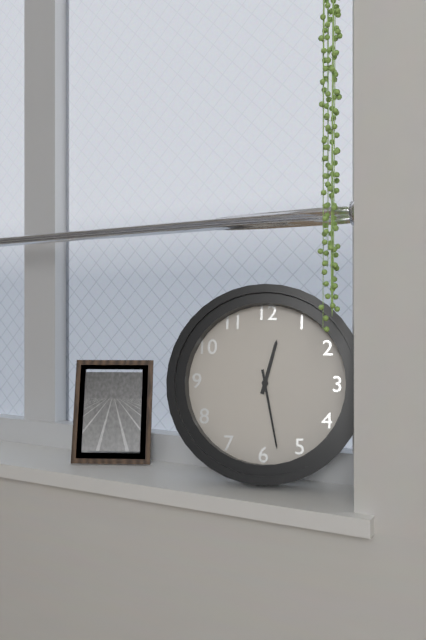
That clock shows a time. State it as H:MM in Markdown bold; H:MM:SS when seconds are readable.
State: **12:28**
